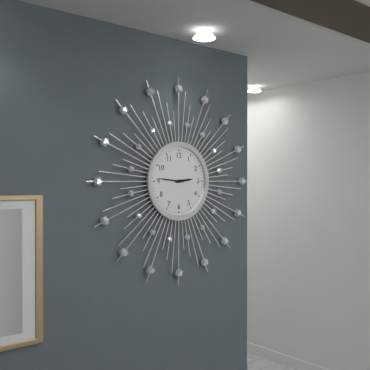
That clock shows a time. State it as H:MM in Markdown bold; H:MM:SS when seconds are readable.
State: **2:46**
